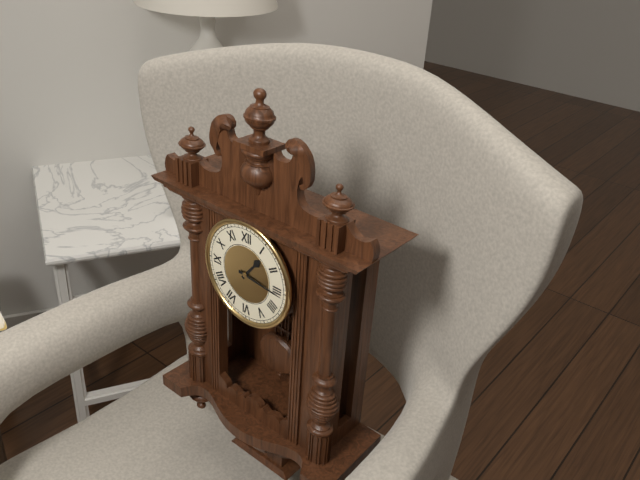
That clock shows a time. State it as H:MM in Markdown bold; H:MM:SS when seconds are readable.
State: **1:16**
